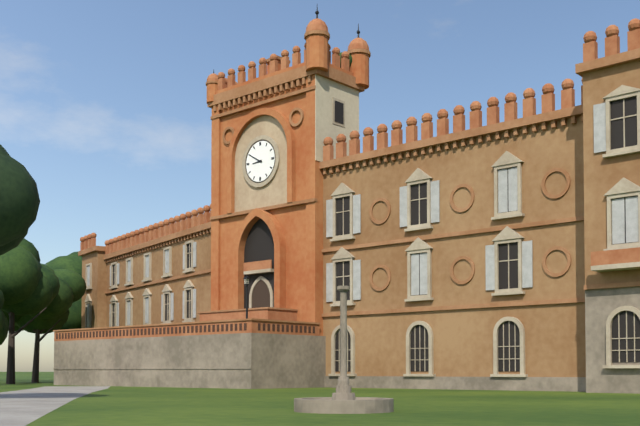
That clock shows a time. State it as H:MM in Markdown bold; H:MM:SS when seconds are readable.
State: **8:50**
